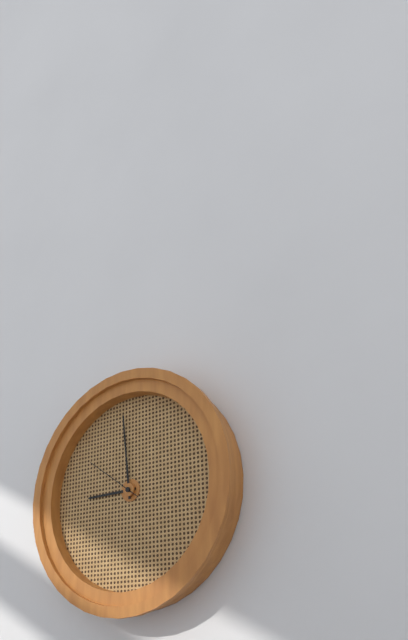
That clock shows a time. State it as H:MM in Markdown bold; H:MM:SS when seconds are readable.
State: **8:59:51**
